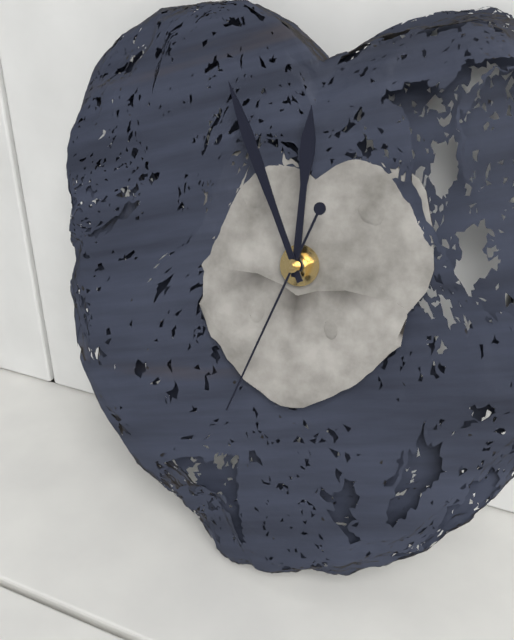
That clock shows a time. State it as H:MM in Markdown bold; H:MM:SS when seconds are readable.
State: **11:55:33**
